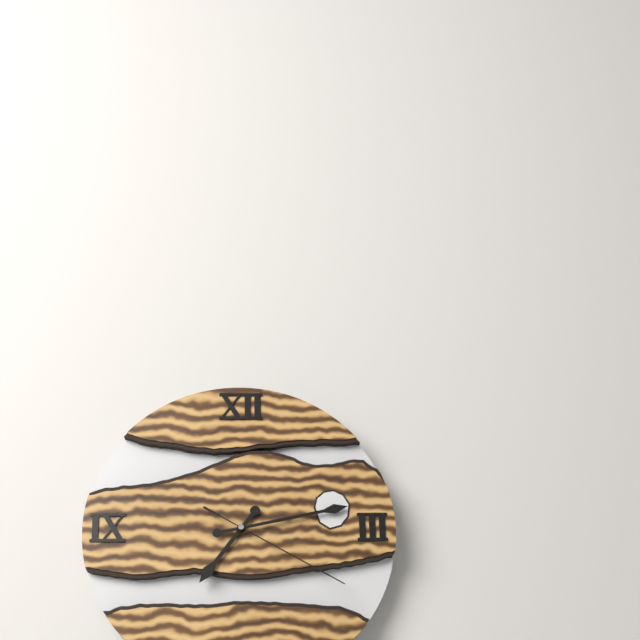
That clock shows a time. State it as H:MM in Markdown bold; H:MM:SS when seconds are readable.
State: **7:13:20**
